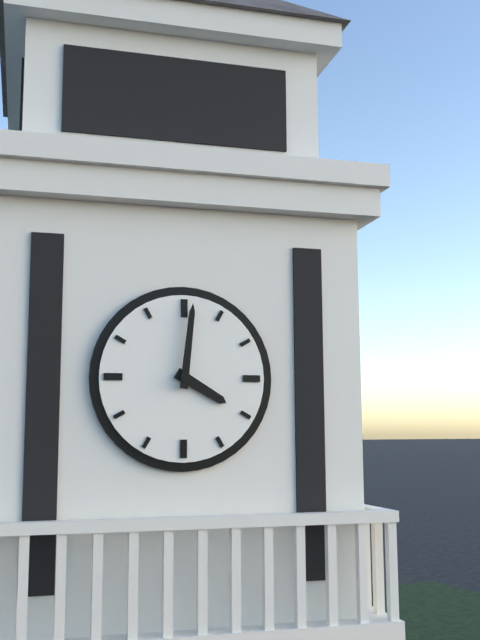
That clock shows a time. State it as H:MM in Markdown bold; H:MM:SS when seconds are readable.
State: **4:01**
